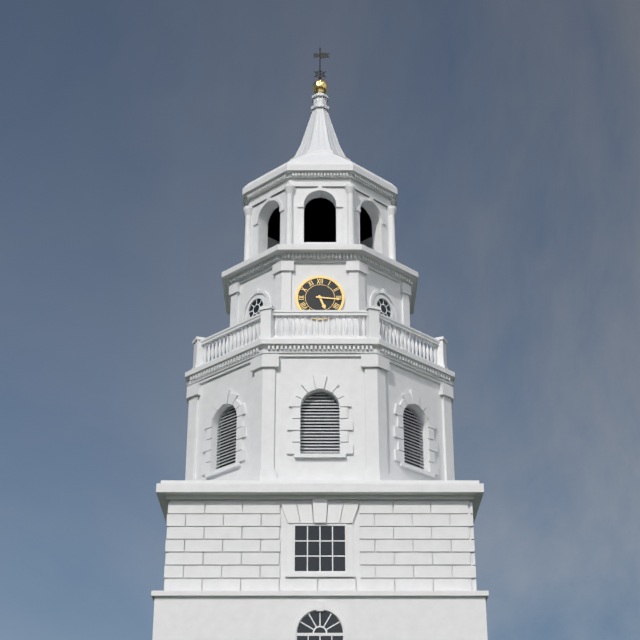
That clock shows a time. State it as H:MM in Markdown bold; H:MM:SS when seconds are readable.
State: **5:16**
